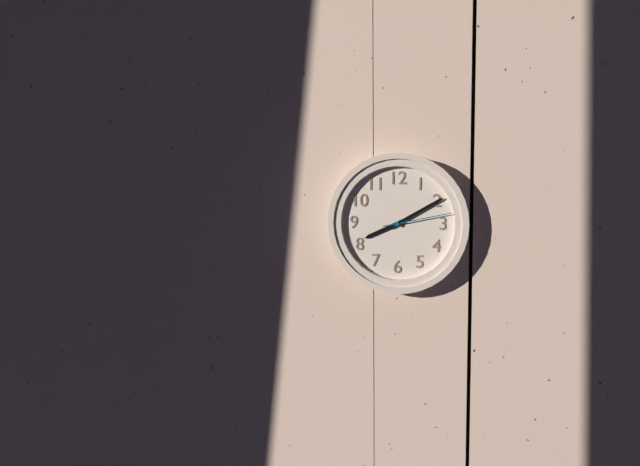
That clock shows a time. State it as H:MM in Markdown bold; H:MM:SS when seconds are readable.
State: **8:10:13**
